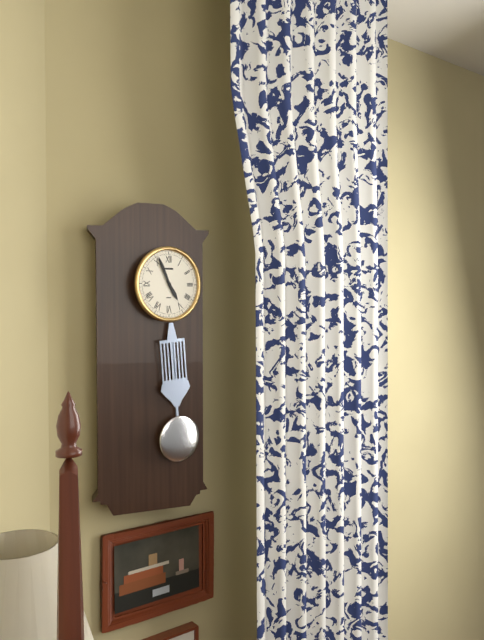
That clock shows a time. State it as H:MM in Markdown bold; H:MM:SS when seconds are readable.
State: **4:56**
